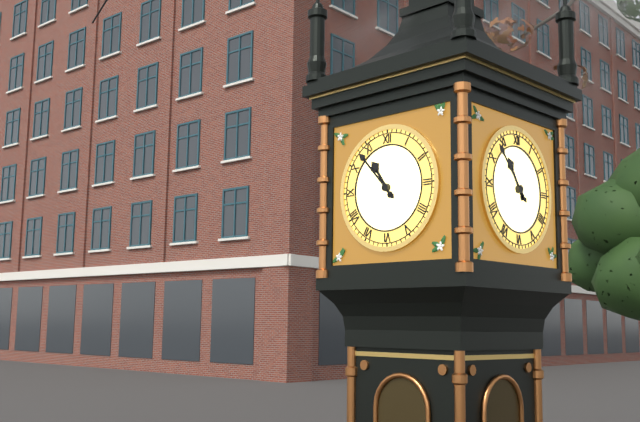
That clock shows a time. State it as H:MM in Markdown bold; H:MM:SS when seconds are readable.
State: **10:53**
